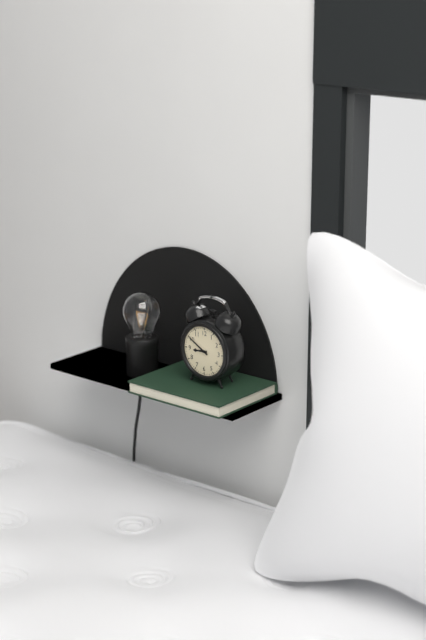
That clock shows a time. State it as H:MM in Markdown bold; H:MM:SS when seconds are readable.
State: **8:50**
